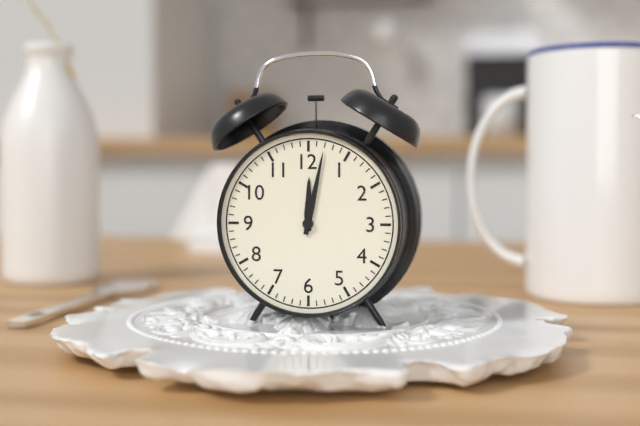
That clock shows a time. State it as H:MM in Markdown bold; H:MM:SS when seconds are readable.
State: **12:02**
